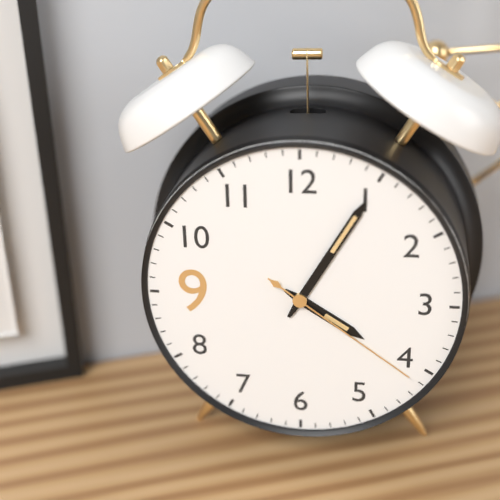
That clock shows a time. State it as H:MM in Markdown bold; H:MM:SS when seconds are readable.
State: **4:05:21**
